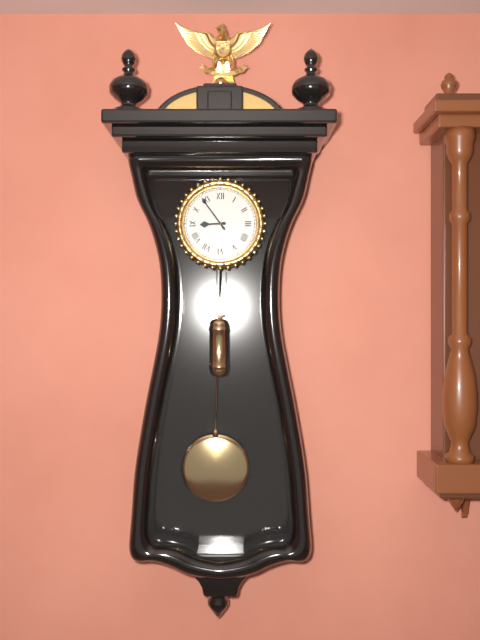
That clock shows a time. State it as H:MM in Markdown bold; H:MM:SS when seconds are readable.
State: **8:54**
